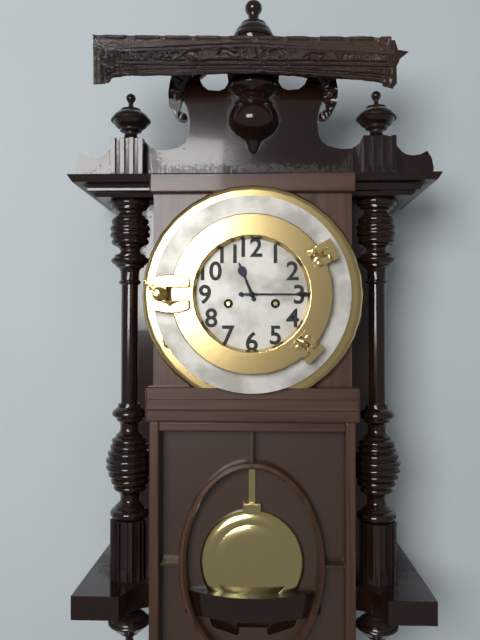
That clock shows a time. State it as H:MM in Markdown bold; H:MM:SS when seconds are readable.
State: **11:15**
